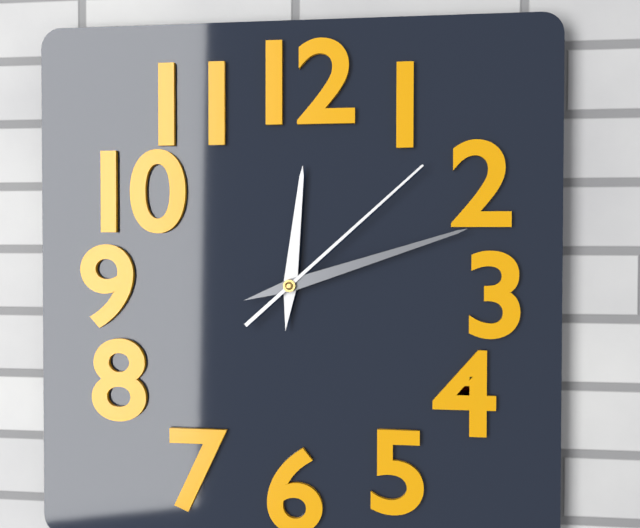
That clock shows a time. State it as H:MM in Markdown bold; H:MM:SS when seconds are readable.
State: **12:12:08**
